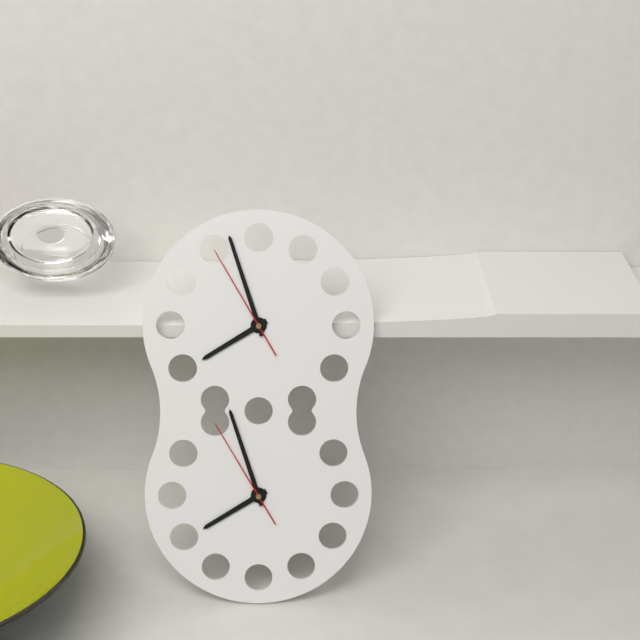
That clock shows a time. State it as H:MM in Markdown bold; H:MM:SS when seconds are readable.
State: **7:57:55**
